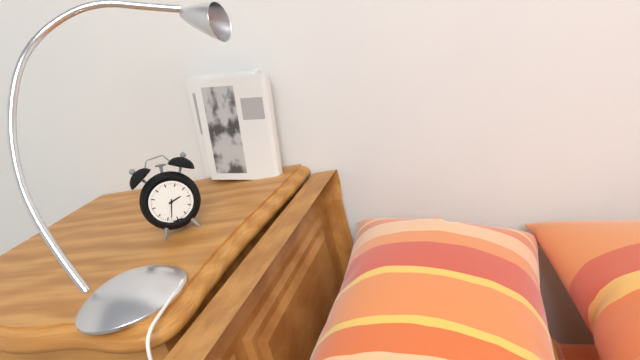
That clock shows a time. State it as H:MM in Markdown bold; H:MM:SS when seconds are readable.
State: **2:33**
